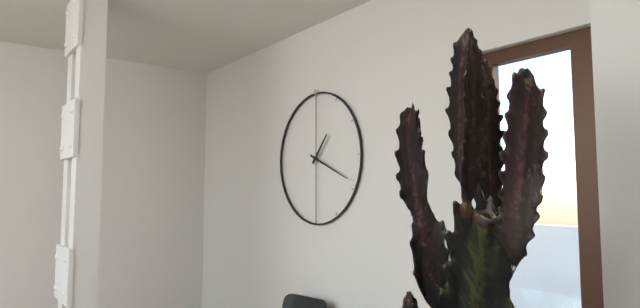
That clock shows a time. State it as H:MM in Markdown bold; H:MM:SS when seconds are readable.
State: **1:19**
